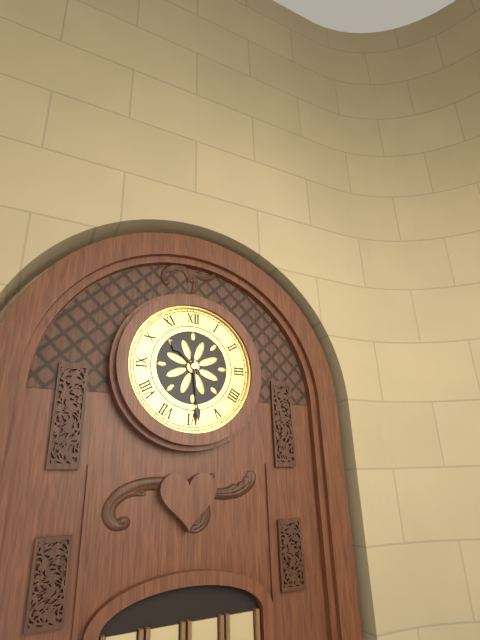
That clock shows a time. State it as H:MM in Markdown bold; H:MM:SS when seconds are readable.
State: **10:29**
